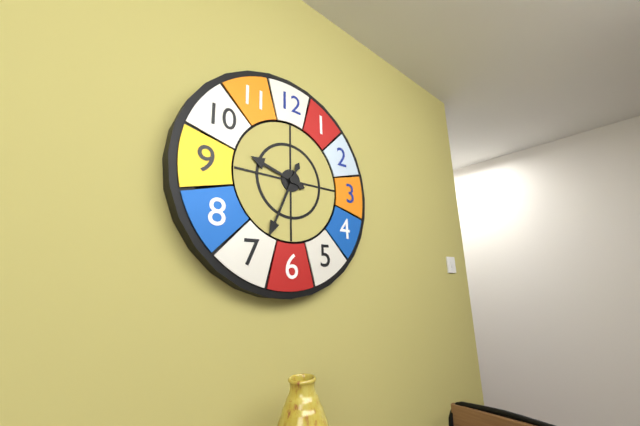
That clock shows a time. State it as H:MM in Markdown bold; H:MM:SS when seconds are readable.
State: **9:34**
